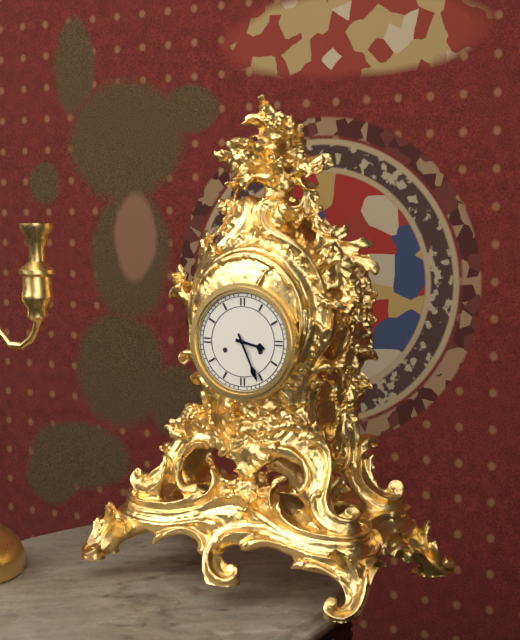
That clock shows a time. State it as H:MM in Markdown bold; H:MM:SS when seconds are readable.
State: **3:26**
